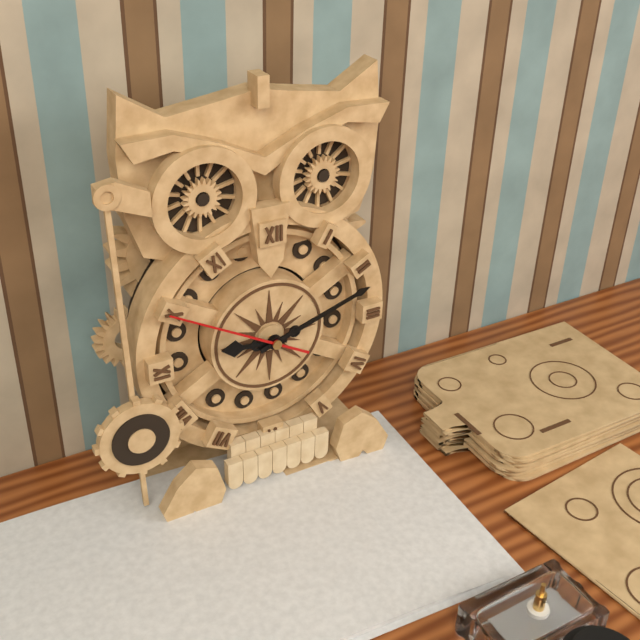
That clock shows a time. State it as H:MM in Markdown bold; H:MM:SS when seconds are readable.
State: **9:12:50**
